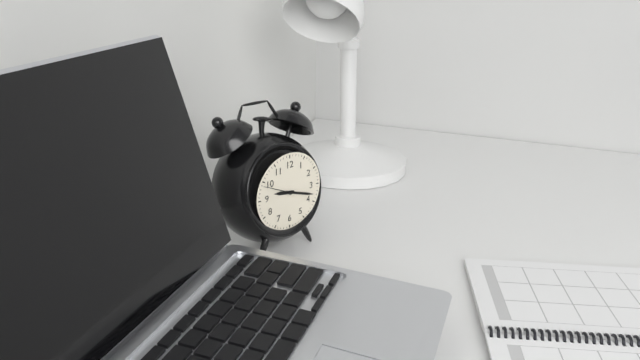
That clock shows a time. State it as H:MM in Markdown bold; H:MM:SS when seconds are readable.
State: **9:18**
